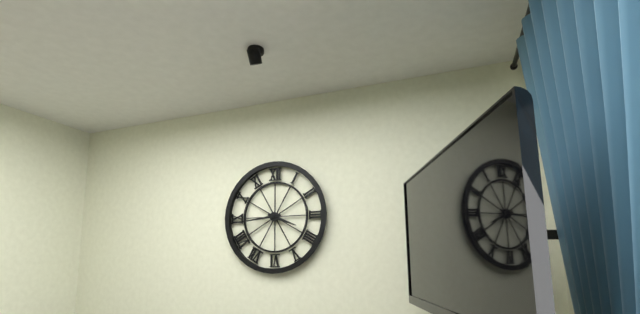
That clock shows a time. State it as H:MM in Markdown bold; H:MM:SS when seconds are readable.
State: **3:44**
